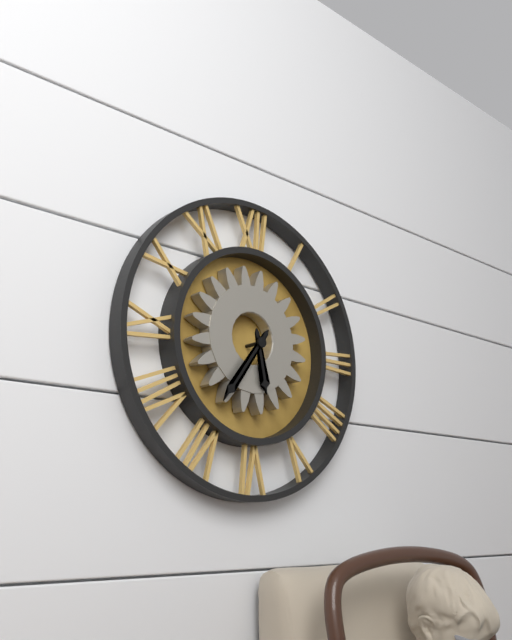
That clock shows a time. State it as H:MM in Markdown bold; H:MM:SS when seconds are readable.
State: **5:36**
